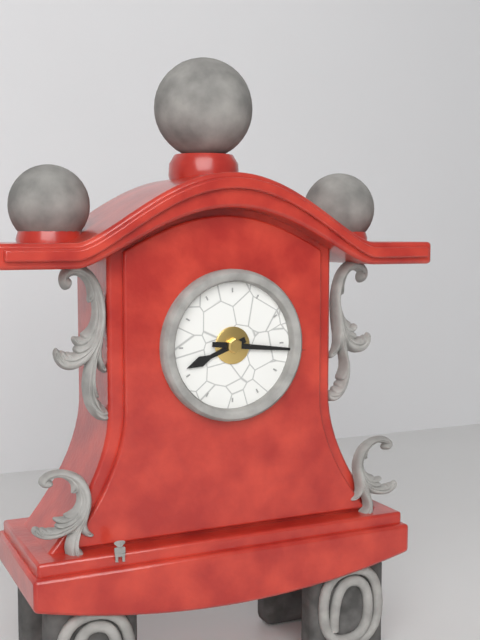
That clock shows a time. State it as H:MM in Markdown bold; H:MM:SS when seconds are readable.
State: **8:16**
